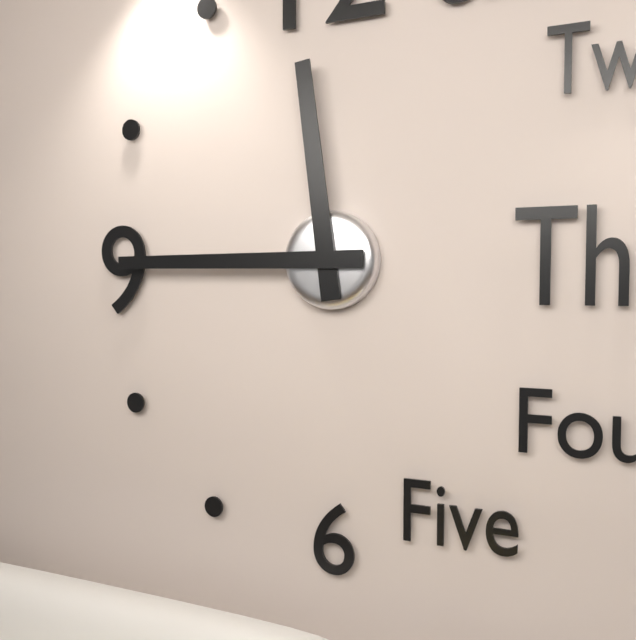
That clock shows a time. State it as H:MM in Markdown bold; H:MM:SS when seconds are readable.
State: **11:45**
